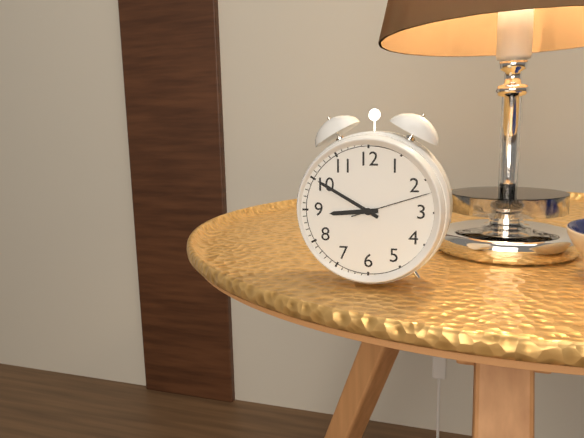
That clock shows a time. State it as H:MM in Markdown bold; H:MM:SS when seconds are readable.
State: **8:50:12**
